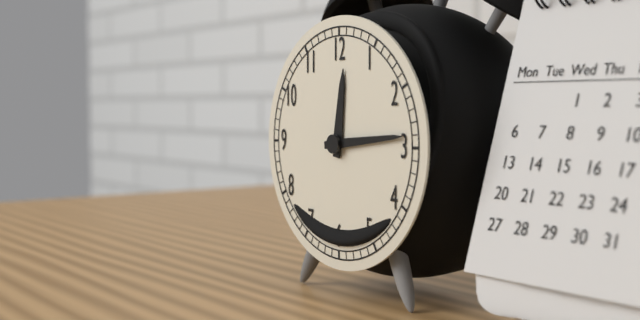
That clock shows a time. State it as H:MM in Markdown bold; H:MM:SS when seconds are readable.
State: **12:14**
